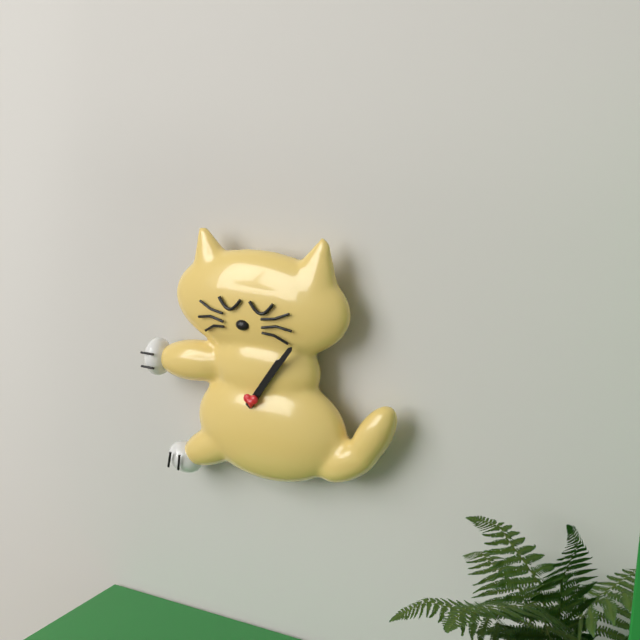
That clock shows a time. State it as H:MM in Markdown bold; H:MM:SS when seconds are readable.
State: **1:06**
